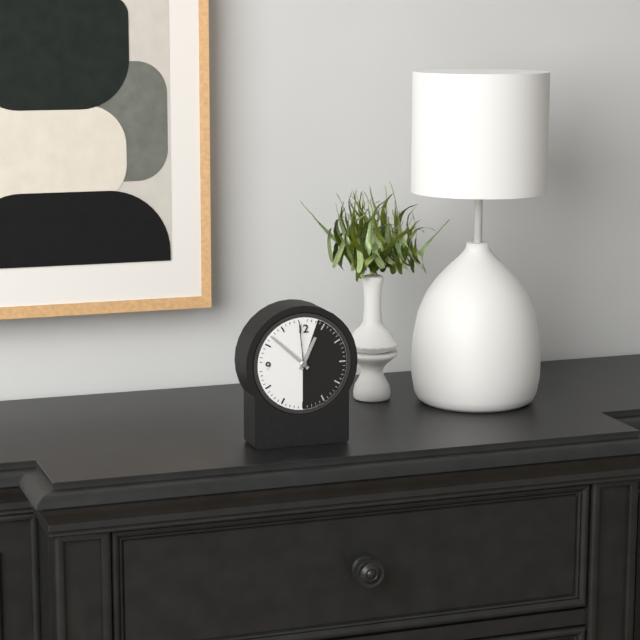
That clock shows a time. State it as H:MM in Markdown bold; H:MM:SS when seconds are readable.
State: **12:52:59**
